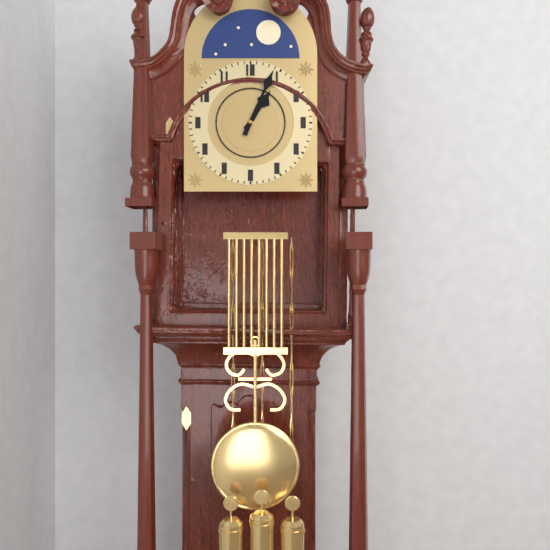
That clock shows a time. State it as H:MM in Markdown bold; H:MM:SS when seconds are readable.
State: **1:04**
